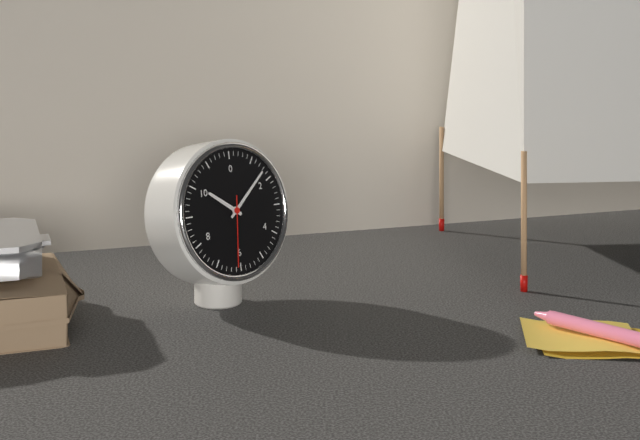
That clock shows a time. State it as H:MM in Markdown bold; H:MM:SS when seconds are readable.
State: **10:08:31**
